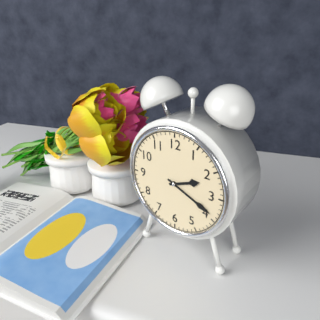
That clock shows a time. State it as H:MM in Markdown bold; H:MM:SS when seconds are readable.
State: **2:19**
